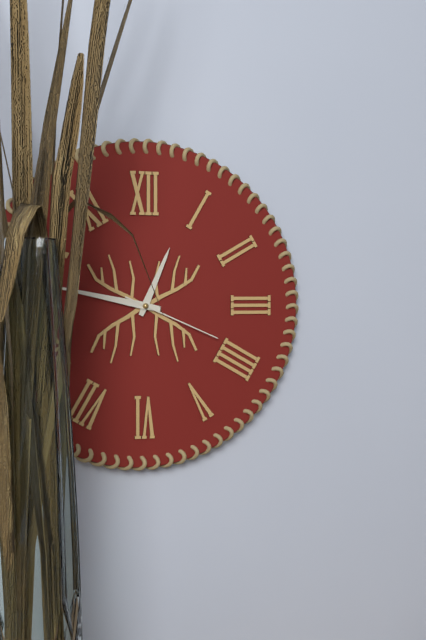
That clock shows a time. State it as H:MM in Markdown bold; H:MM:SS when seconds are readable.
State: **12:47:19**
